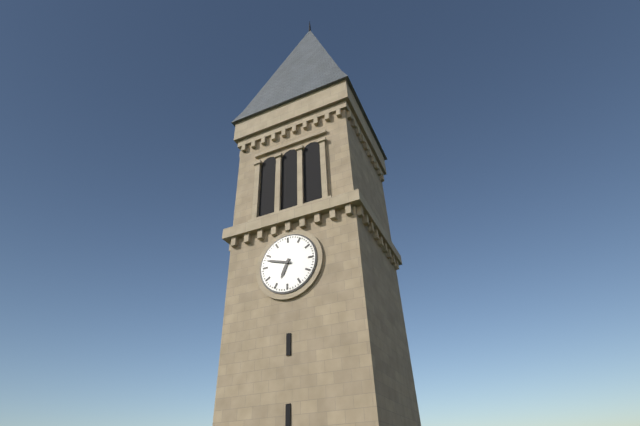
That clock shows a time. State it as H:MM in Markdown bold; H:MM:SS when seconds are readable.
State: **6:48**
